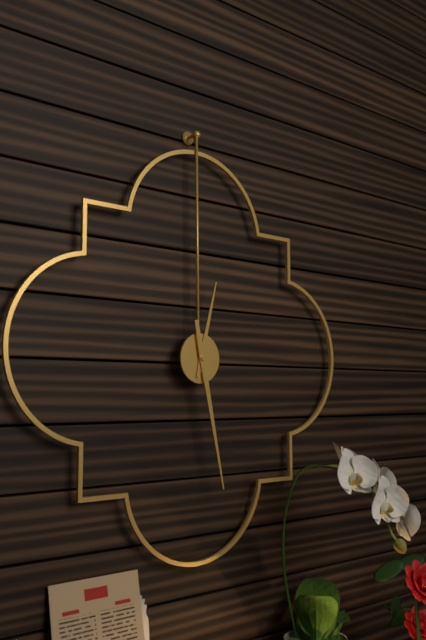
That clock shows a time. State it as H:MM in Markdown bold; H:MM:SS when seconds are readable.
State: **12:28**
